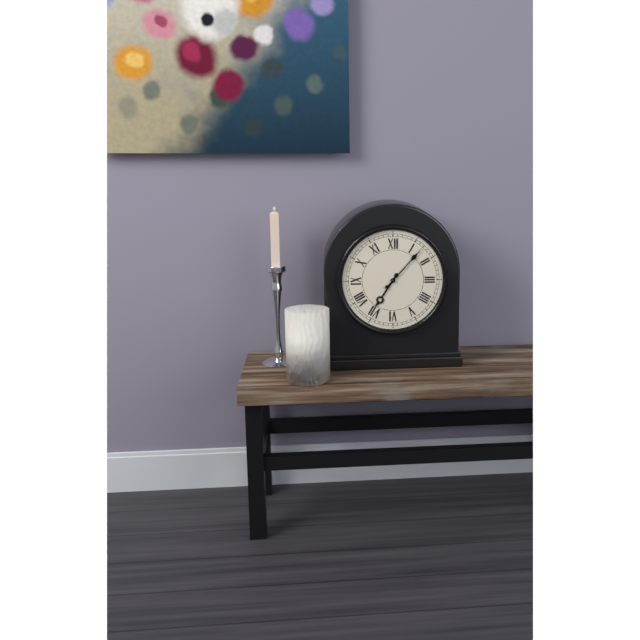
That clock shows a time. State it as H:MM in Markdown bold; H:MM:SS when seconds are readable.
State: **7:07**
